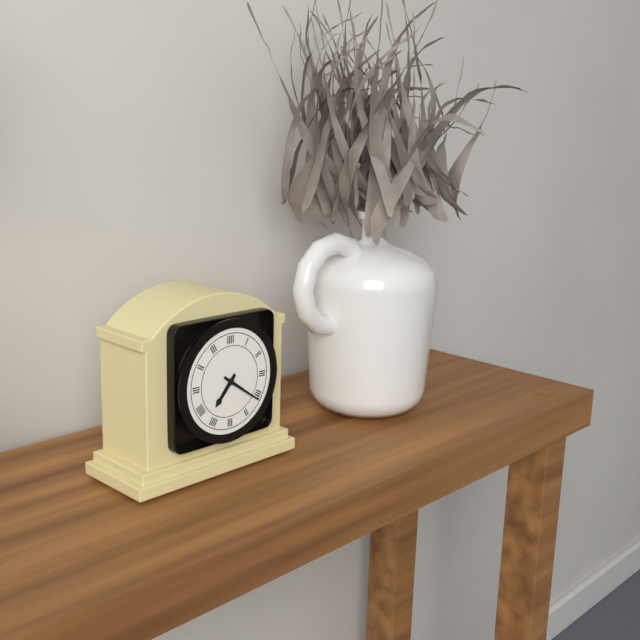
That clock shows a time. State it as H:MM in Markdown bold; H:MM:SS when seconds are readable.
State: **7:21**
